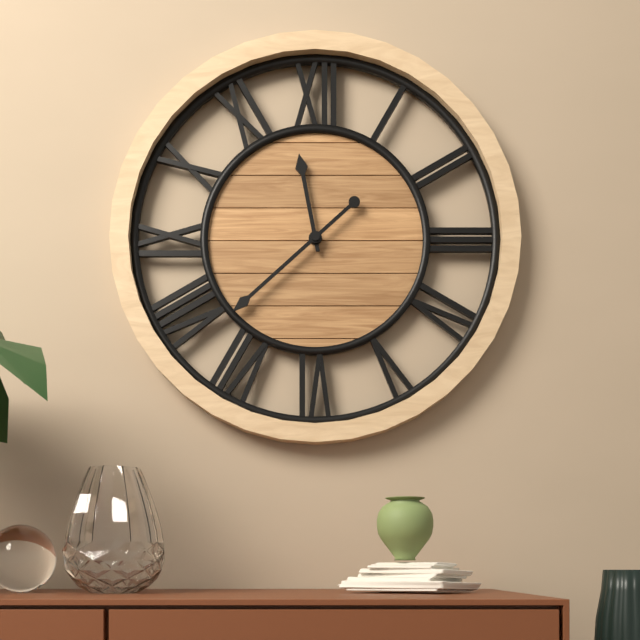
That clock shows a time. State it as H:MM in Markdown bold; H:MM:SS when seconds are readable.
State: **11:38**
